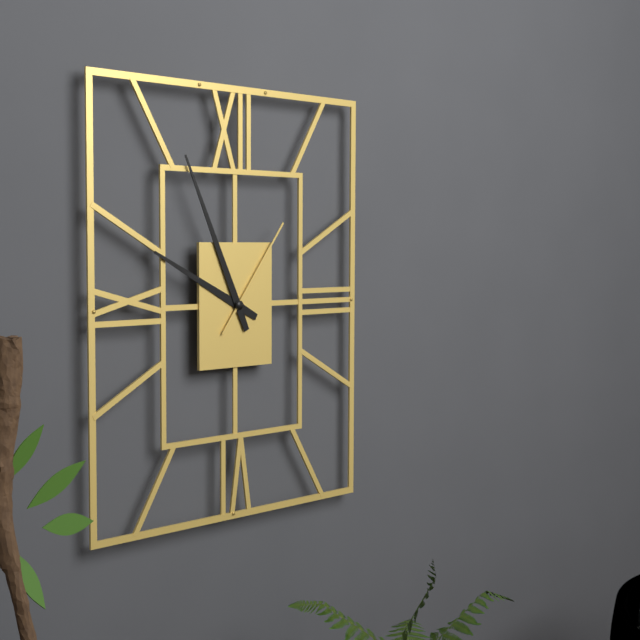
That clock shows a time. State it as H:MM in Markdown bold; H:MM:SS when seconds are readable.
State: **9:56:06**
